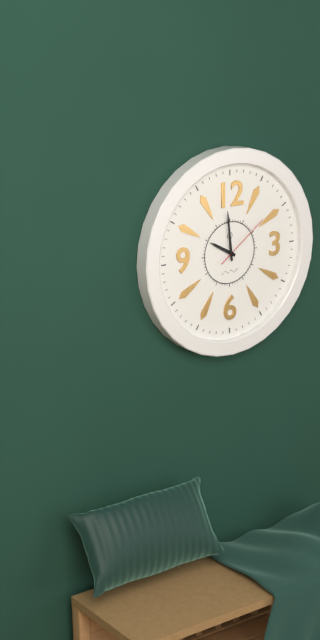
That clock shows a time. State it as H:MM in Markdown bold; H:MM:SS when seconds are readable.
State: **9:59:09**
